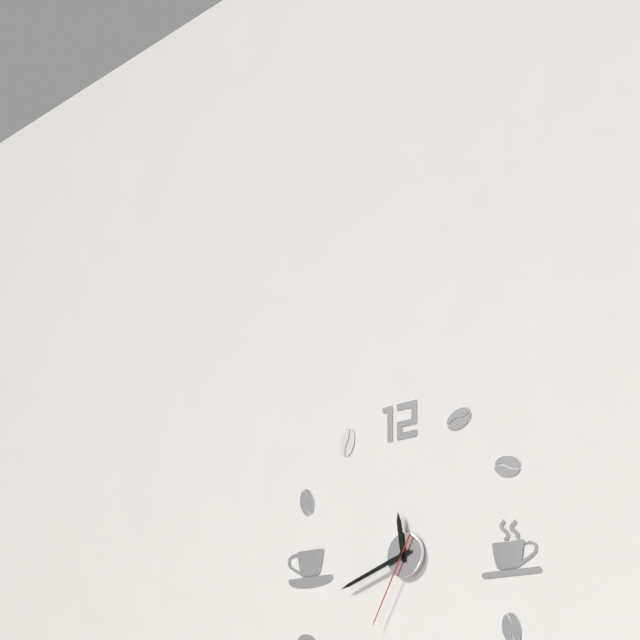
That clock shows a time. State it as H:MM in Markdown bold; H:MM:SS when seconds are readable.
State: **11:42:35**
